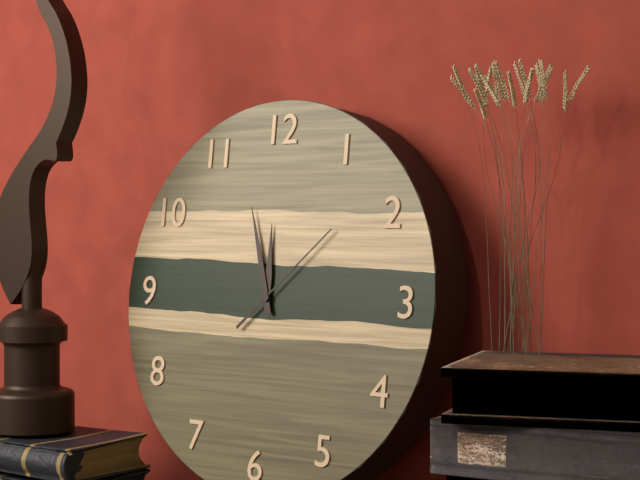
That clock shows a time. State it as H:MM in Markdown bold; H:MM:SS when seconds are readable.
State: **11:57:08**
